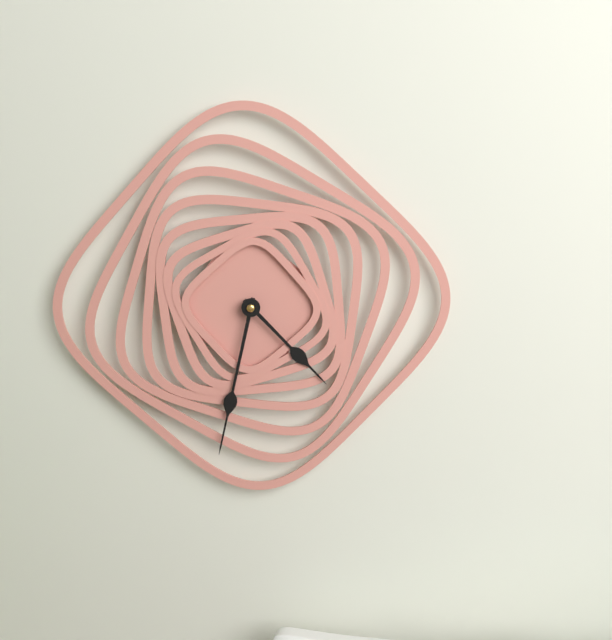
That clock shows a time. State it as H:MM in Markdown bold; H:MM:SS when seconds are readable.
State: **4:32**
